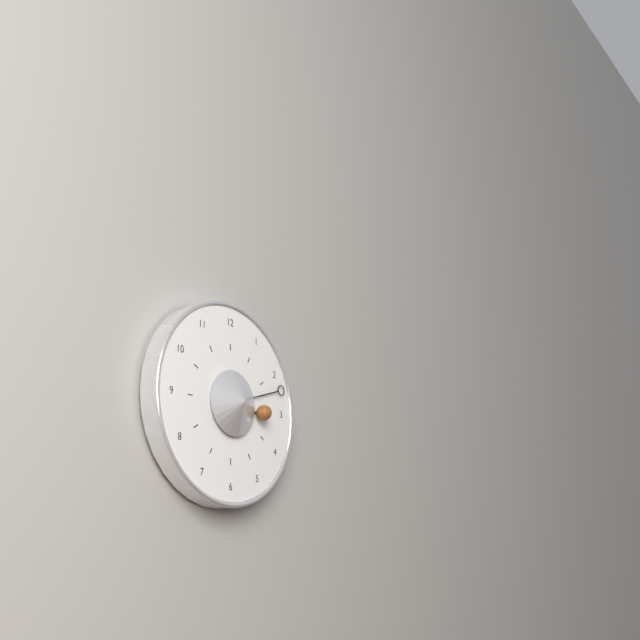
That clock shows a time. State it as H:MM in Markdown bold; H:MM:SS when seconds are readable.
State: **3:12**
